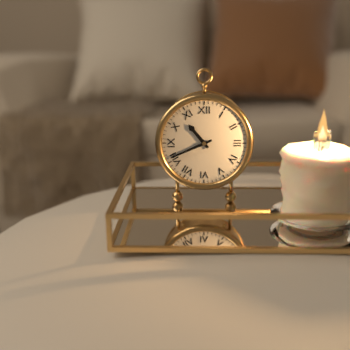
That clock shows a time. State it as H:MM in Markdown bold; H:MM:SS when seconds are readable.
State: **10:41**
